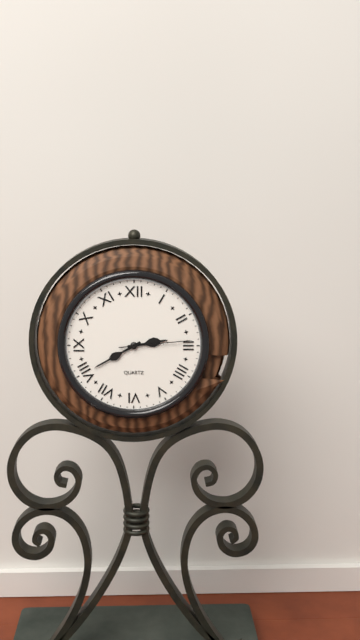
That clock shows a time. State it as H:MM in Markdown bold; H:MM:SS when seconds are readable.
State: **2:40:14**
